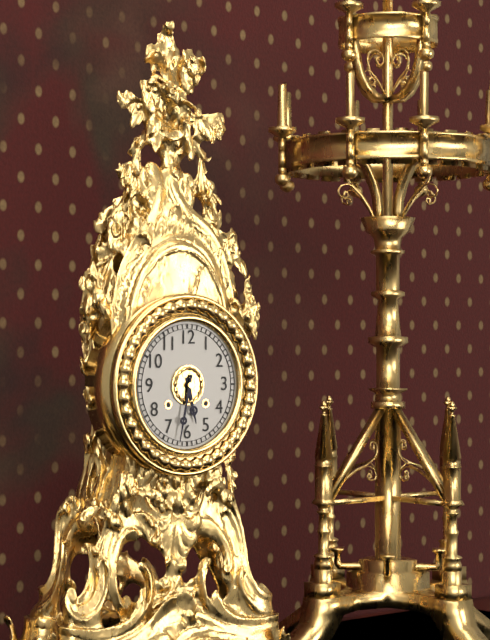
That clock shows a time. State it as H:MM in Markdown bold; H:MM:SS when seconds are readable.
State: **5:32**
